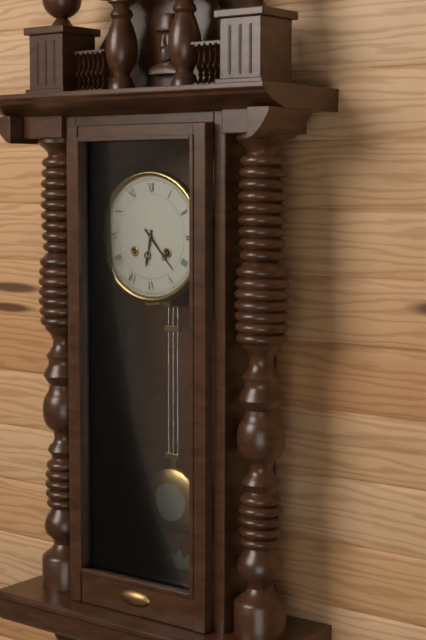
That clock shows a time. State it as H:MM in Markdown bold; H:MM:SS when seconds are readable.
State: **6:23**
